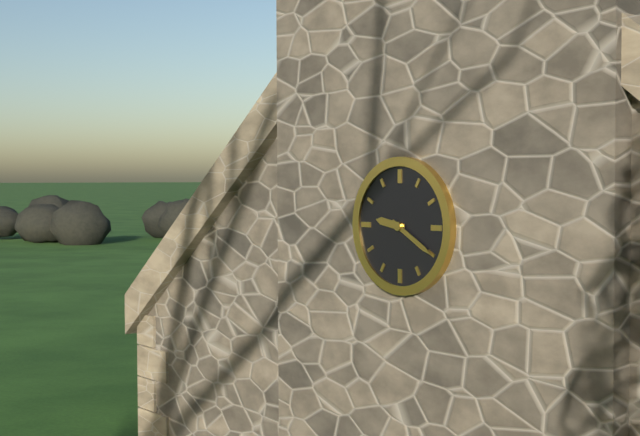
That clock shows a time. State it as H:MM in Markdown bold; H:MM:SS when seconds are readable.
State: **9:20**
